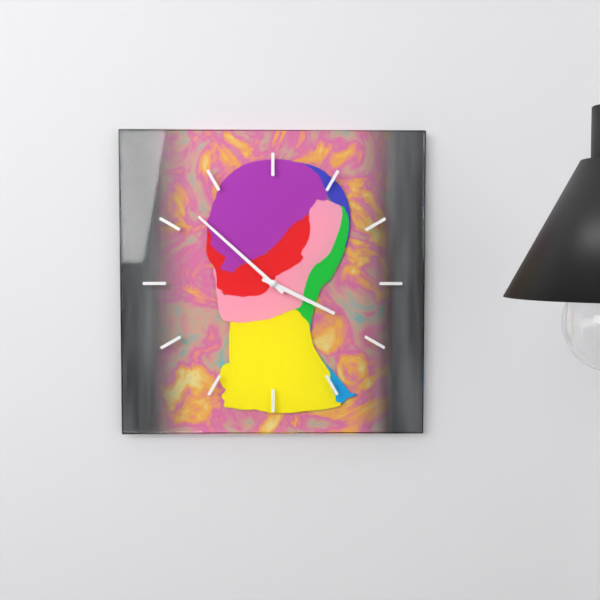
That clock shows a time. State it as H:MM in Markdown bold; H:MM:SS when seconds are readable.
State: **3:52**
